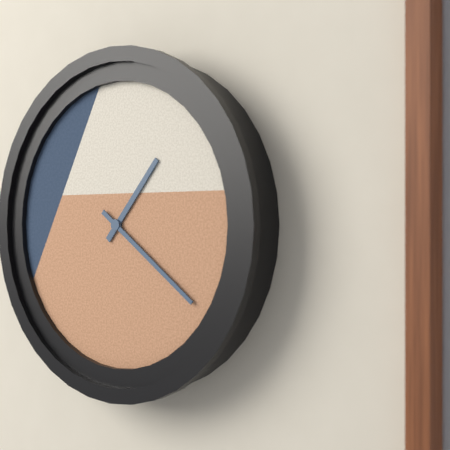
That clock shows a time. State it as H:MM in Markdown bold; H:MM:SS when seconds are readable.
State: **1:21**
